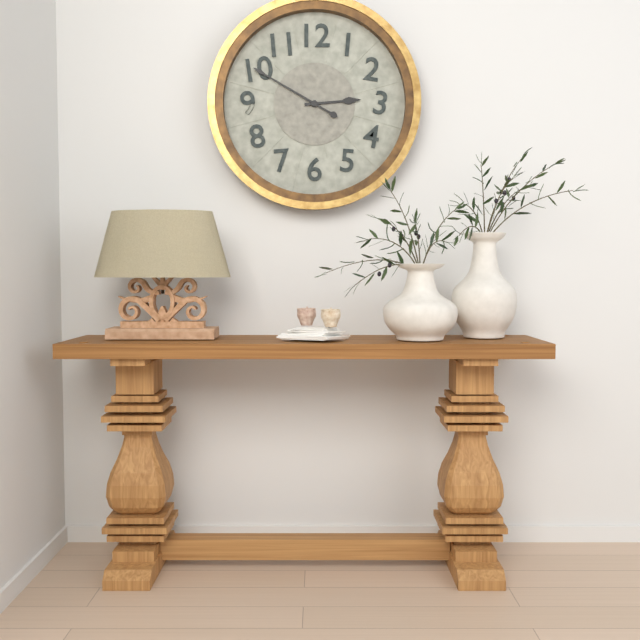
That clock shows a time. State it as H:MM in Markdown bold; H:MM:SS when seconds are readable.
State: **2:50**
